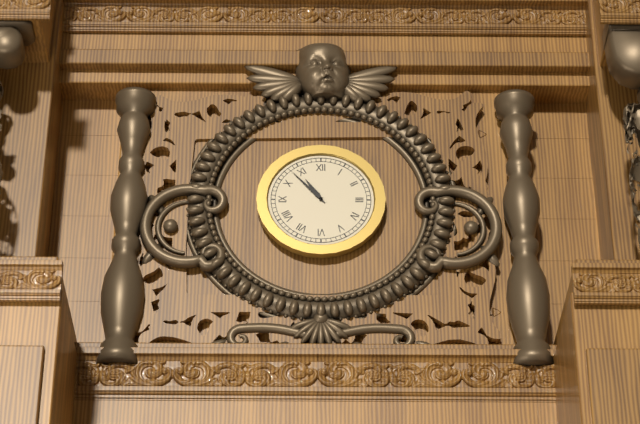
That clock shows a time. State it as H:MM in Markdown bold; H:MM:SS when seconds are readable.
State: **10:53**
